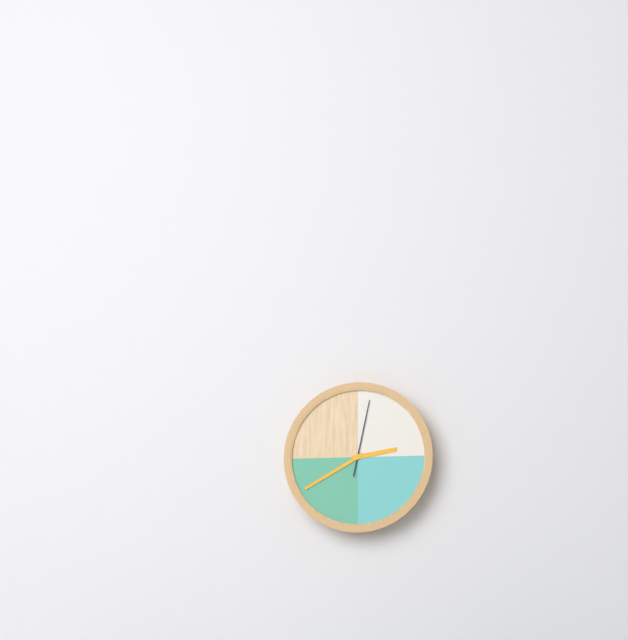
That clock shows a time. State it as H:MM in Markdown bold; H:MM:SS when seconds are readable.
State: **2:40:02**
